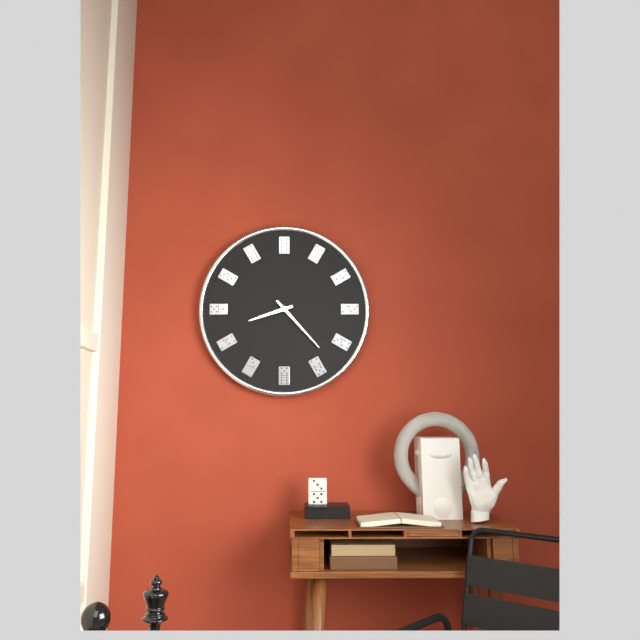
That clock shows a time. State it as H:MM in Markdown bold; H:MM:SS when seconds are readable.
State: **8:23**
